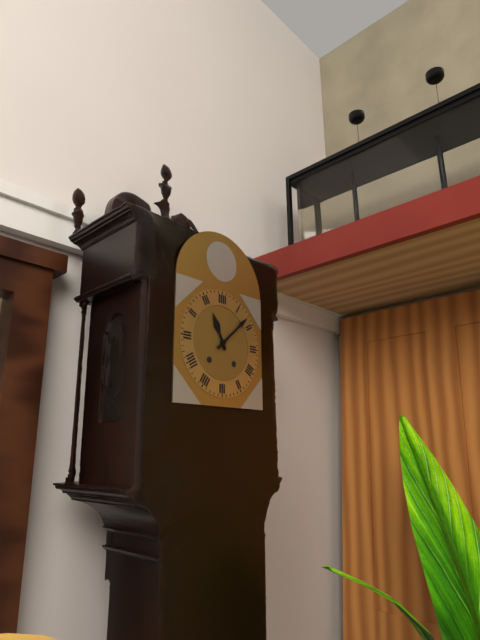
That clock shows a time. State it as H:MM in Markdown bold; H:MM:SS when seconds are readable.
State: **11:08**
